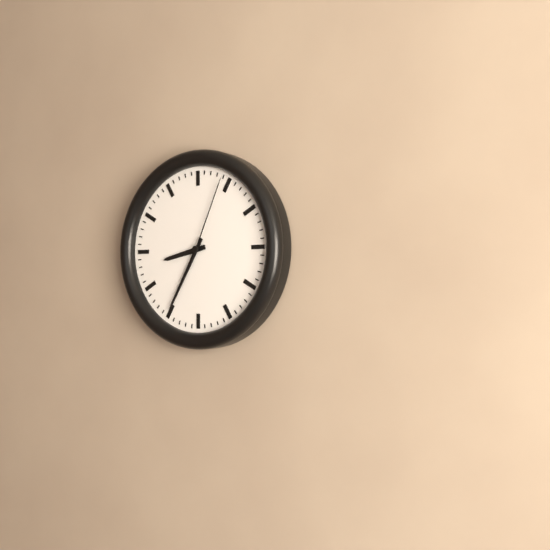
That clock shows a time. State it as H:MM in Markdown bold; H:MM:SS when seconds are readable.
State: **8:35:04**
